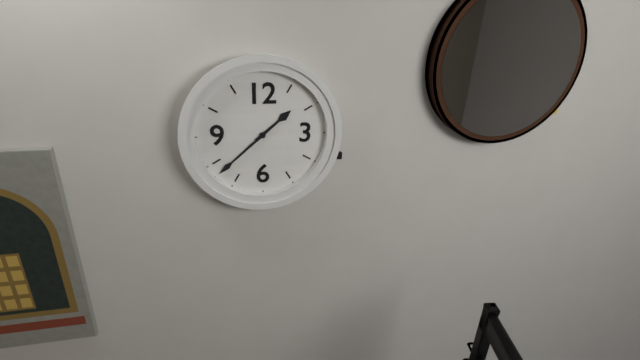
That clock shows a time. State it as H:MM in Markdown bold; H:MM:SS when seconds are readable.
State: **1:38**
